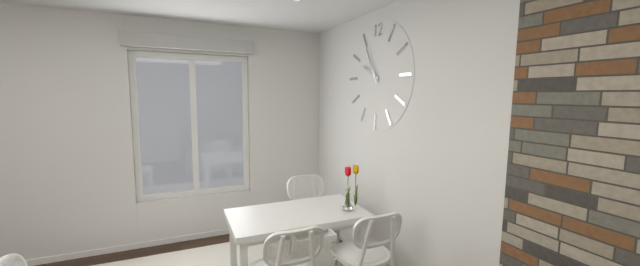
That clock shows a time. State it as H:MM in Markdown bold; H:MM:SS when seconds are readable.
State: **9:55**
